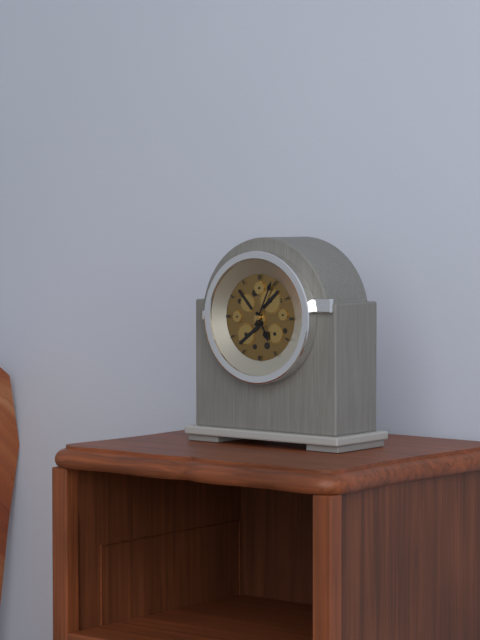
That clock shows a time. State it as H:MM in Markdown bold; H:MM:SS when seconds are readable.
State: **5:04**
